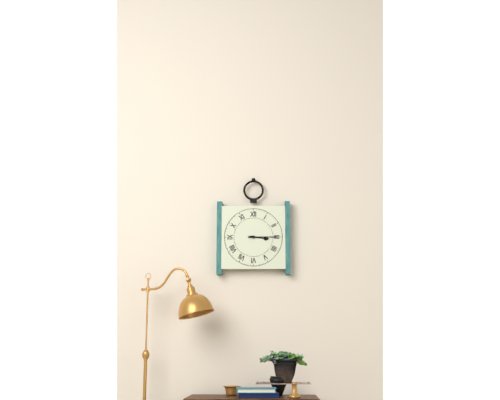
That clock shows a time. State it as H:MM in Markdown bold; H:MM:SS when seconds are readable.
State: **3:15**
